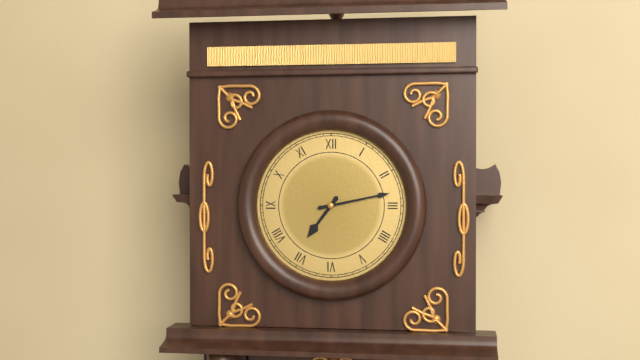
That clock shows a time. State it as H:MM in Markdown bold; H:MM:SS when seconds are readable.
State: **7:13**
